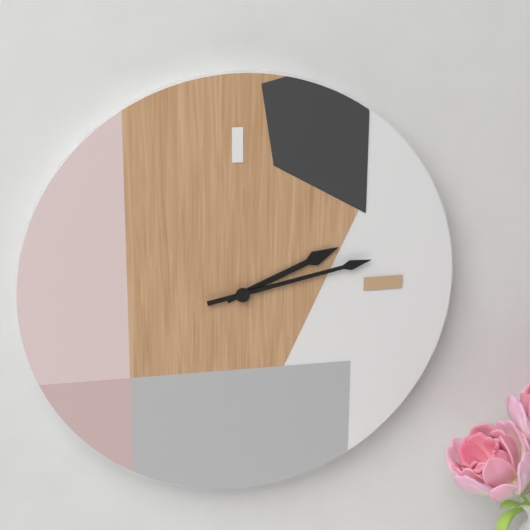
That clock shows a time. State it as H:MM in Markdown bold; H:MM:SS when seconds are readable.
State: **2:13**
